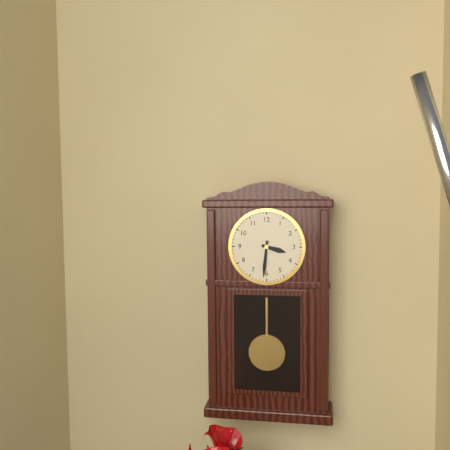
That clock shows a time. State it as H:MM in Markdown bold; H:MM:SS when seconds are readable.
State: **3:31**
